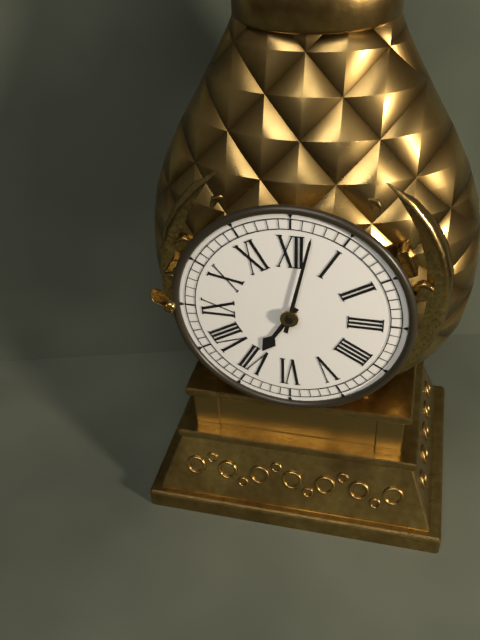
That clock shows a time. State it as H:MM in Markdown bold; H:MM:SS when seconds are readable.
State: **7:02**
